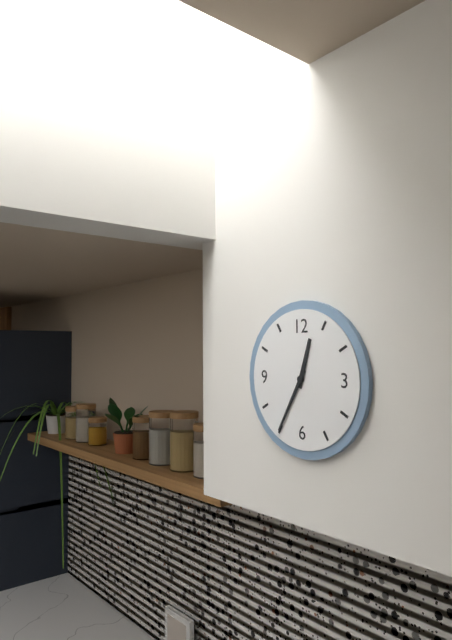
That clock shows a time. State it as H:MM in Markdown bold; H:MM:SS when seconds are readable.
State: **12:35**
